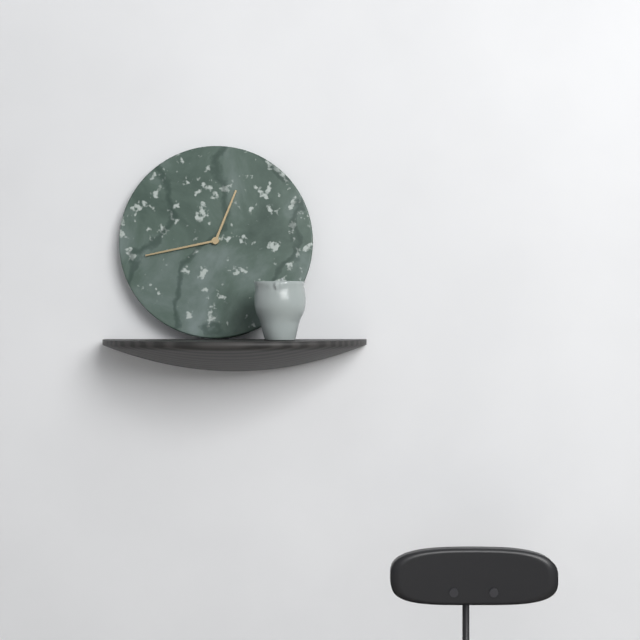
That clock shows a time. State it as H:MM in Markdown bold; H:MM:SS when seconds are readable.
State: **12:43**
